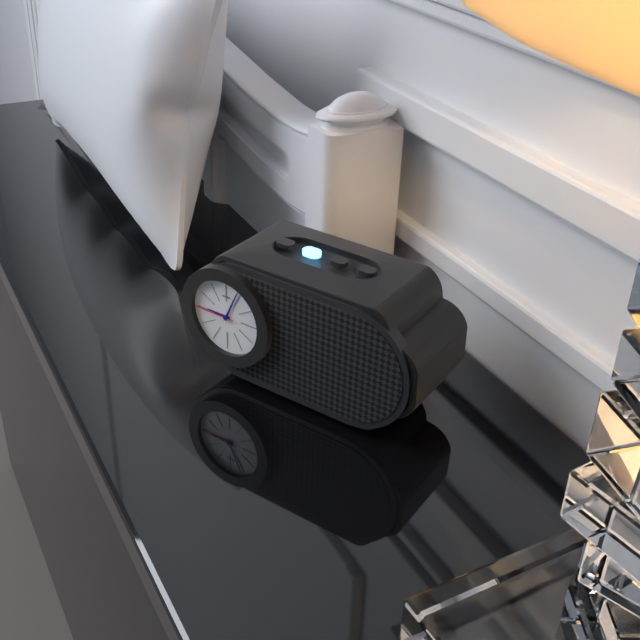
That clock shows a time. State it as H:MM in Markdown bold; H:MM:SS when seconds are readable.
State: **9:04:45**
